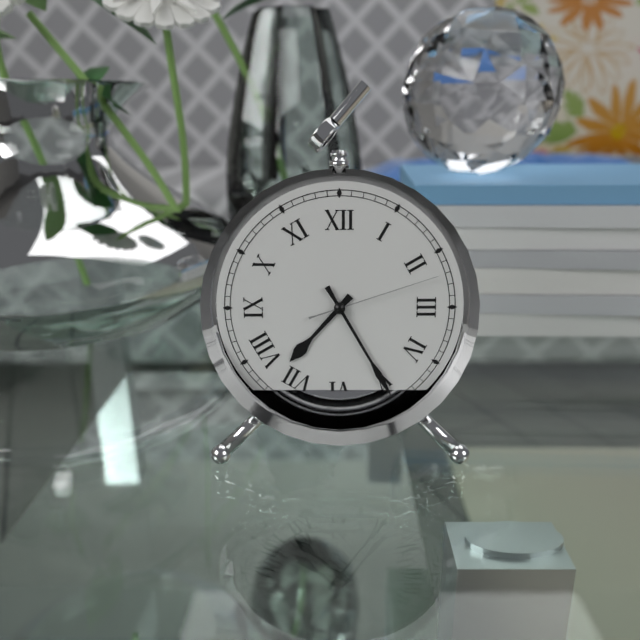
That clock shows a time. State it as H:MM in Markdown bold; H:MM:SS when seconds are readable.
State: **7:25:12**
